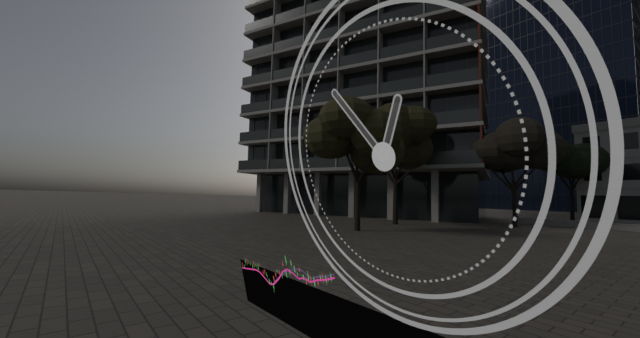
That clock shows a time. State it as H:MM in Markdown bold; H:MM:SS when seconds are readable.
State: **12:54**
